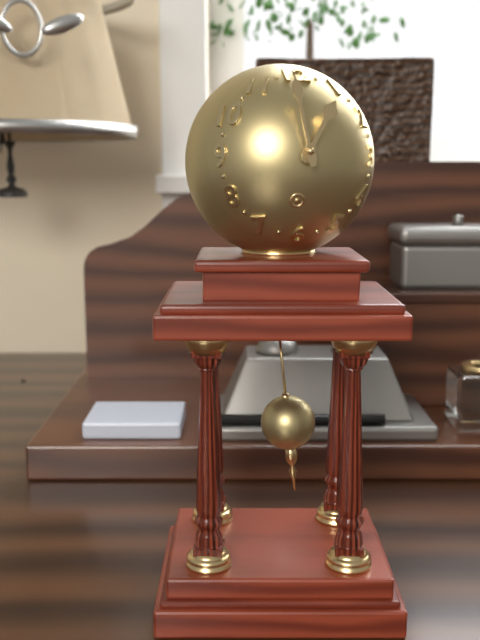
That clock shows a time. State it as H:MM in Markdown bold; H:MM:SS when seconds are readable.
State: **12:58**
